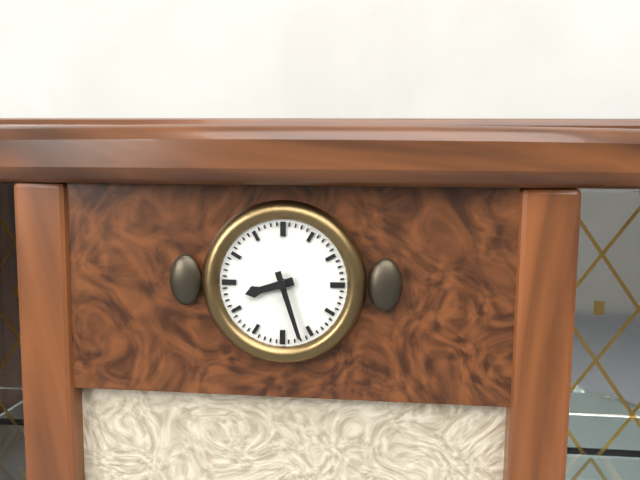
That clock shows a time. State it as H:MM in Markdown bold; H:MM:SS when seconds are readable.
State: **8:27**
